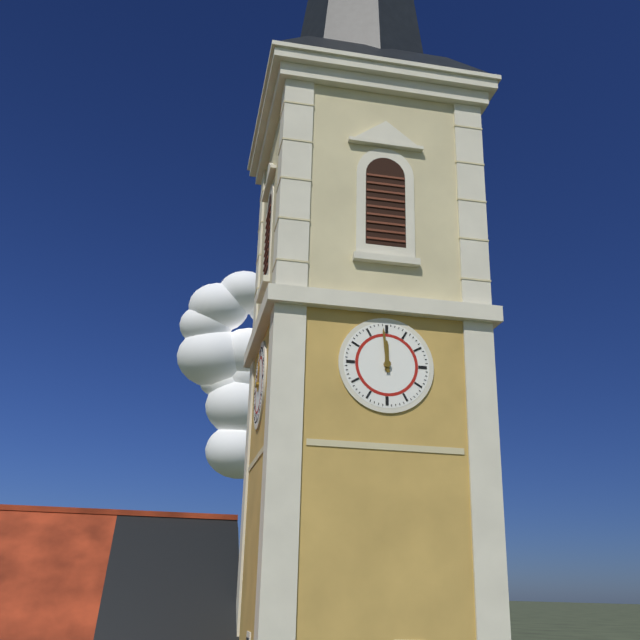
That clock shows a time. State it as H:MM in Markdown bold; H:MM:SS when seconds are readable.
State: **11:59**
